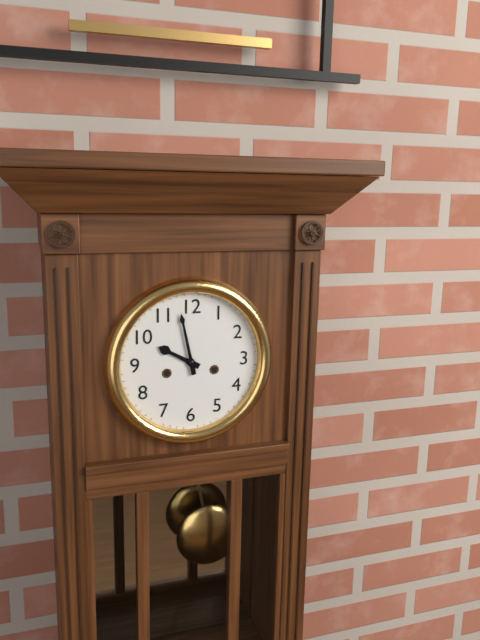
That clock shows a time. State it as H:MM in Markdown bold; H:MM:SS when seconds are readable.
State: **9:58**
